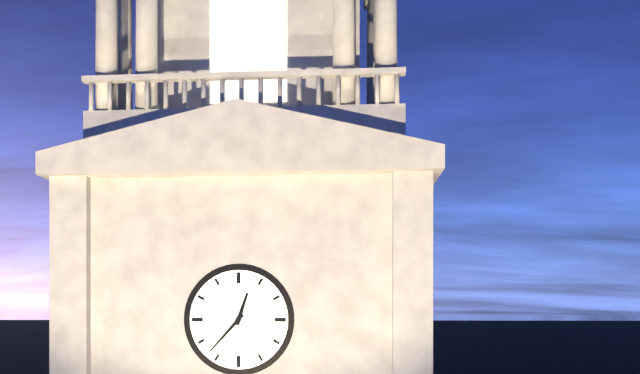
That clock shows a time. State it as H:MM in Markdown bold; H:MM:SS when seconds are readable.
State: **12:37**
